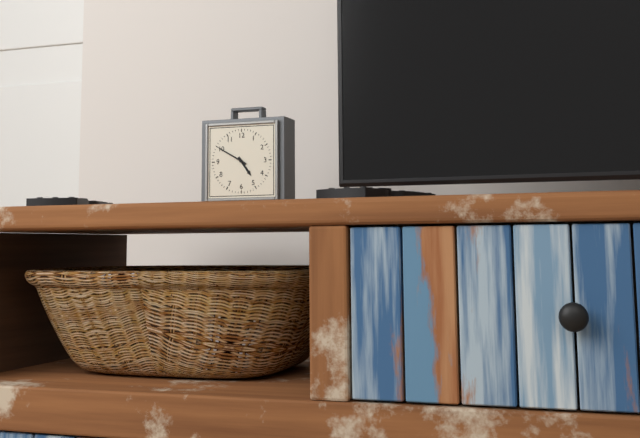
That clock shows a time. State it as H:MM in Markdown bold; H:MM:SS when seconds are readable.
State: **4:50**
